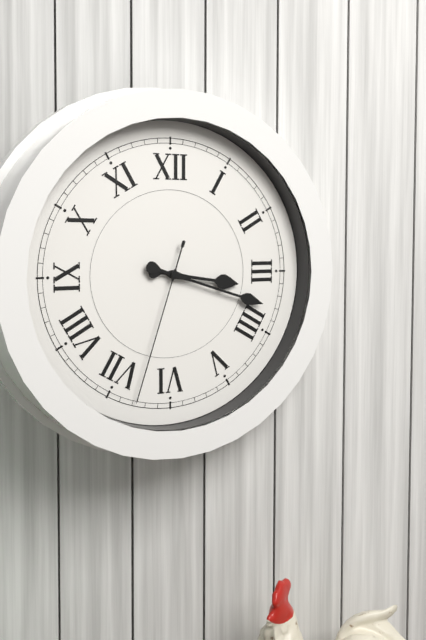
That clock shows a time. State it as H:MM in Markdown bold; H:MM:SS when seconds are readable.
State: **3:18:33**
